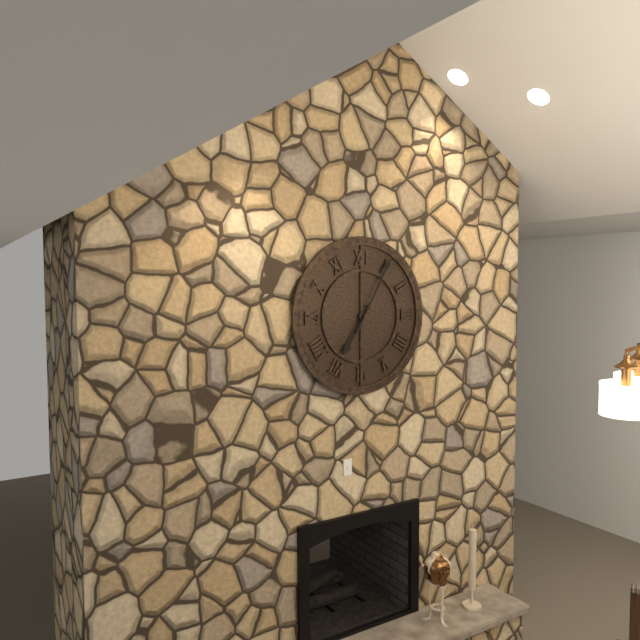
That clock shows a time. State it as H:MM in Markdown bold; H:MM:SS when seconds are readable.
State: **7:05**
